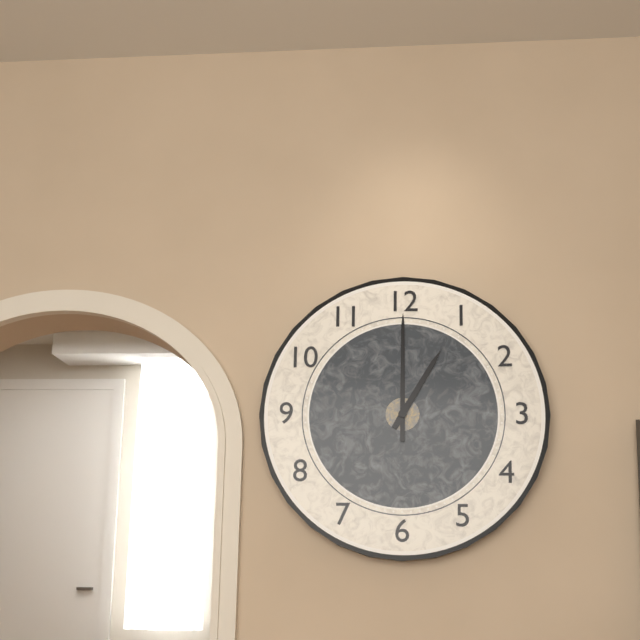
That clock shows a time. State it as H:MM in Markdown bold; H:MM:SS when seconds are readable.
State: **1:00**
